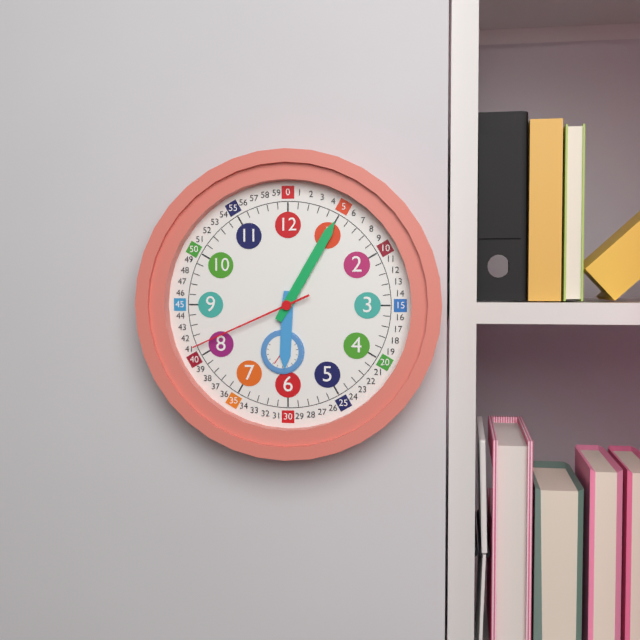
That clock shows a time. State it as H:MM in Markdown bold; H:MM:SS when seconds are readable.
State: **6:05:41**
